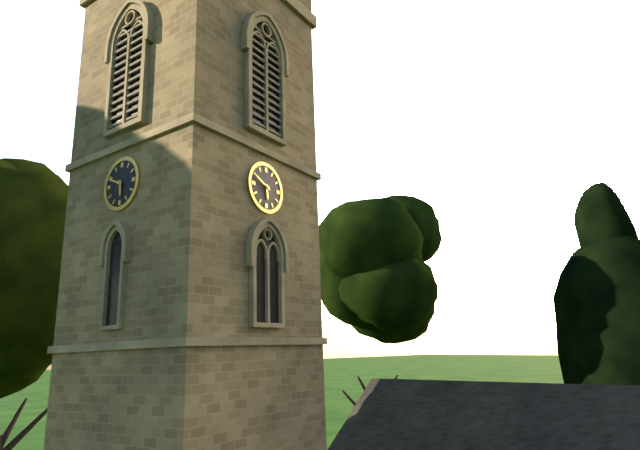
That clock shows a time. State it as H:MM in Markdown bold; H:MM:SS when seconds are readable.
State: **5:49**
